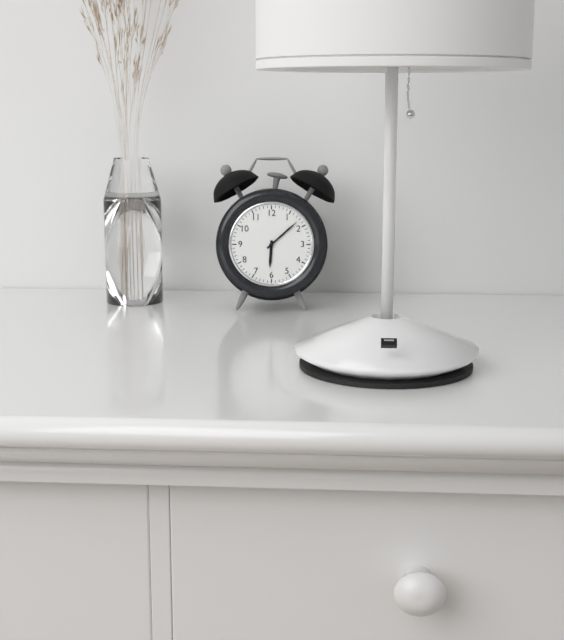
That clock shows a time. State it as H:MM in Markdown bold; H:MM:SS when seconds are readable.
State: **6:08**
